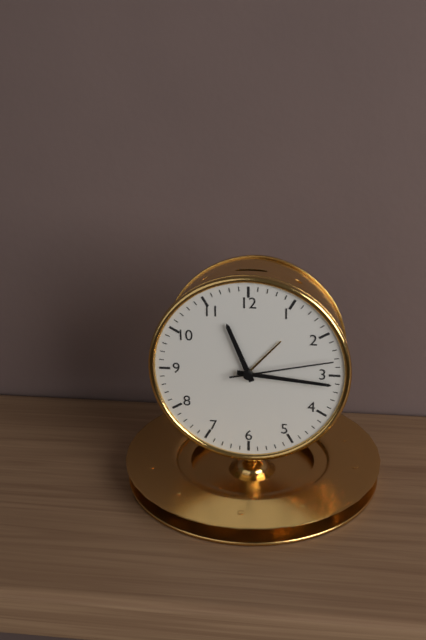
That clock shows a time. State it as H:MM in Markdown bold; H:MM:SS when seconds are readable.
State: **11:16:13**
